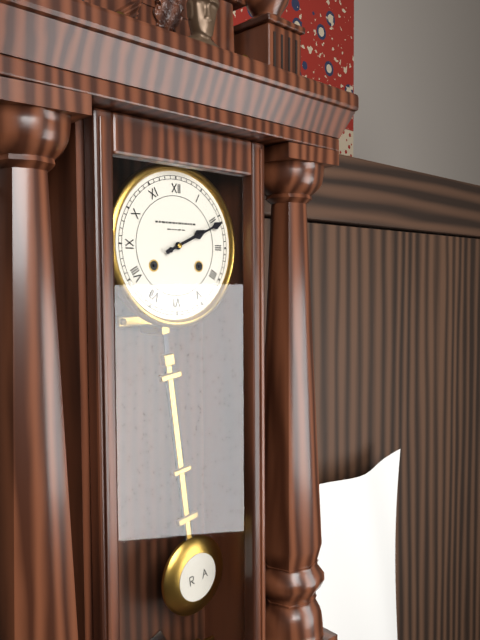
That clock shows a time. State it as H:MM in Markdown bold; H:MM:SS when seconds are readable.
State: **2:11**
